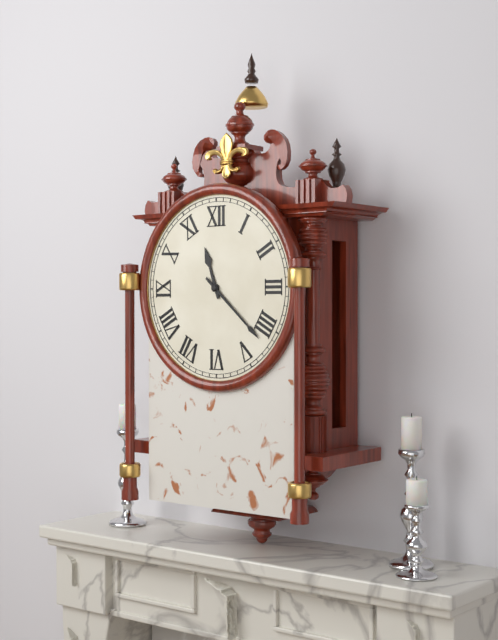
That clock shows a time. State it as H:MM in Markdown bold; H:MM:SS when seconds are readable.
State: **11:22**
